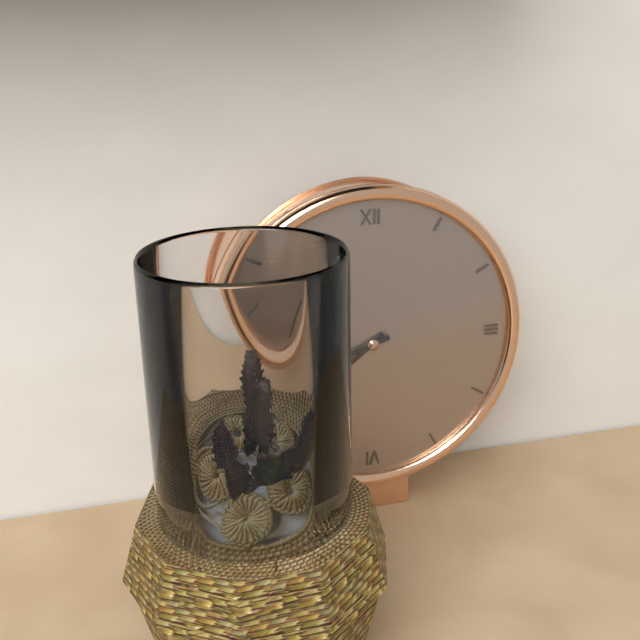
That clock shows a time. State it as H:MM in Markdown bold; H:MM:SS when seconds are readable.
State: **7:42**
